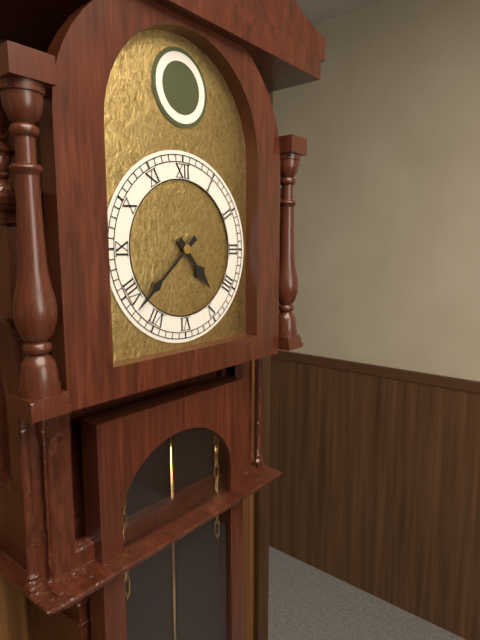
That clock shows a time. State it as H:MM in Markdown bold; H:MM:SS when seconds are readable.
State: **4:38**
